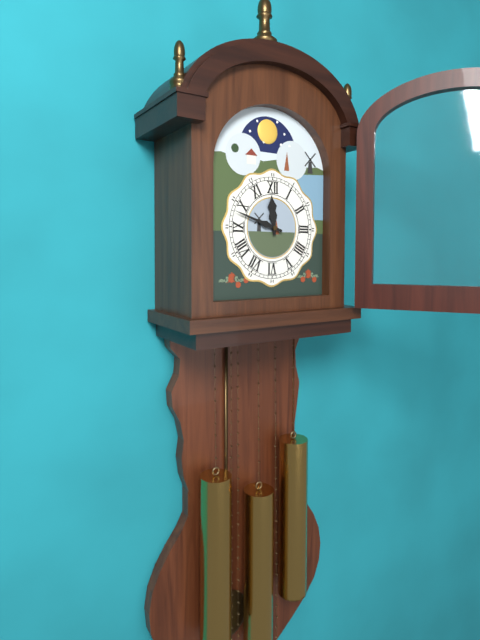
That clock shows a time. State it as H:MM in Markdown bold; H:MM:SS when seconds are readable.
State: **11:48**
